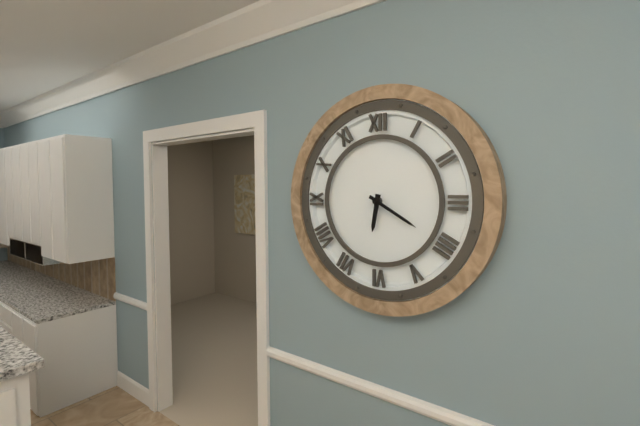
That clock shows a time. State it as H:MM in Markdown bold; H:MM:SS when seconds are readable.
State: **6:20**
